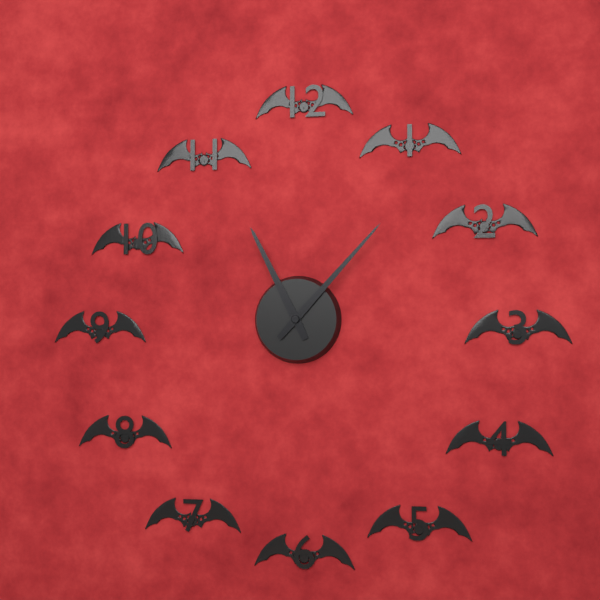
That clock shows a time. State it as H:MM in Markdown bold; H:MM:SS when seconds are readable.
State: **11:07**
